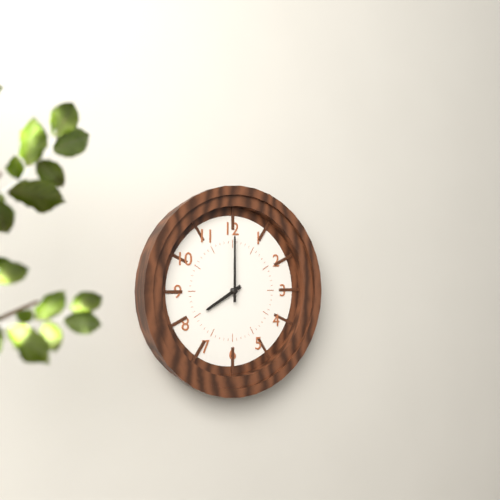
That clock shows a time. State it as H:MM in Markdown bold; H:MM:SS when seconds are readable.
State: **8:00**
